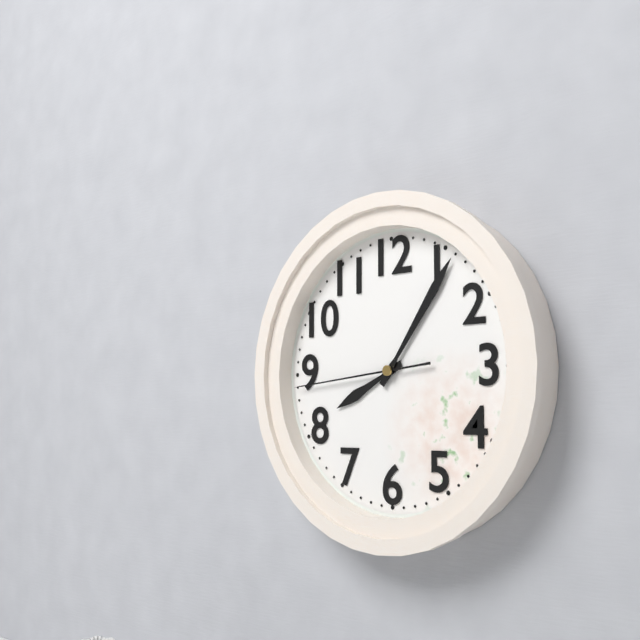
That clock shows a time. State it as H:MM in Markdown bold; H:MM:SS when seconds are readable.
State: **8:06:44**
